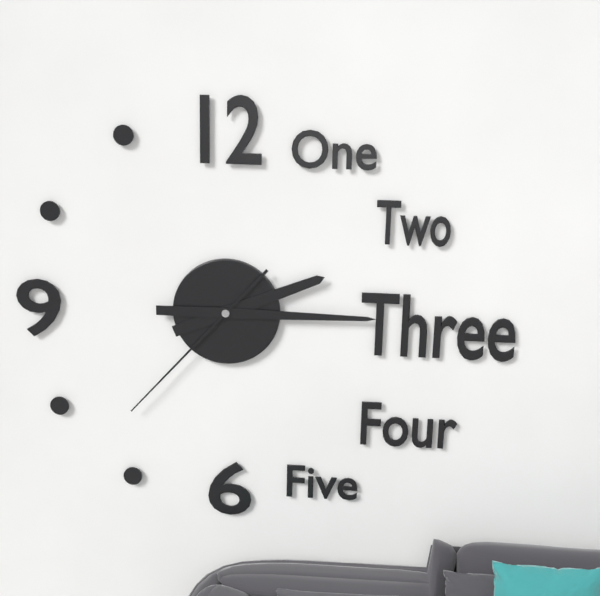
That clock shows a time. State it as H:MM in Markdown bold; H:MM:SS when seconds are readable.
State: **2:15:37**
